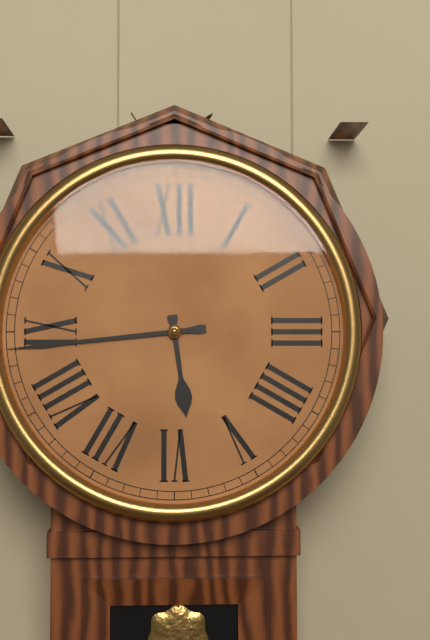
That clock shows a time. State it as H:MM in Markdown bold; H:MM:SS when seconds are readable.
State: **5:44**
